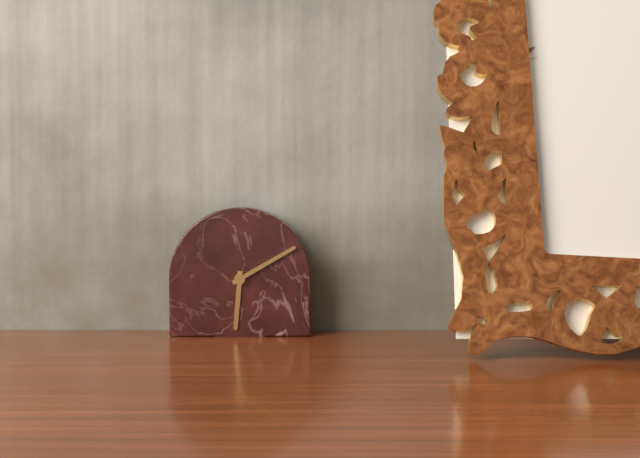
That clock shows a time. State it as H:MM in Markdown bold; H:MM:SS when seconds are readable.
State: **6:10**
